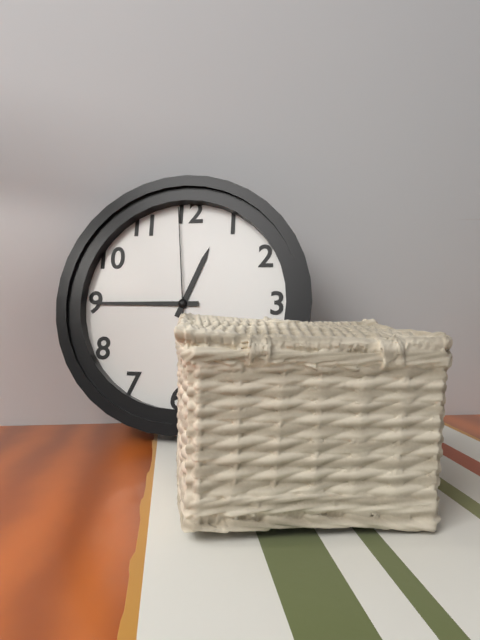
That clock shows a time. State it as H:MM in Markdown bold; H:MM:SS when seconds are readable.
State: **12:45:59**
